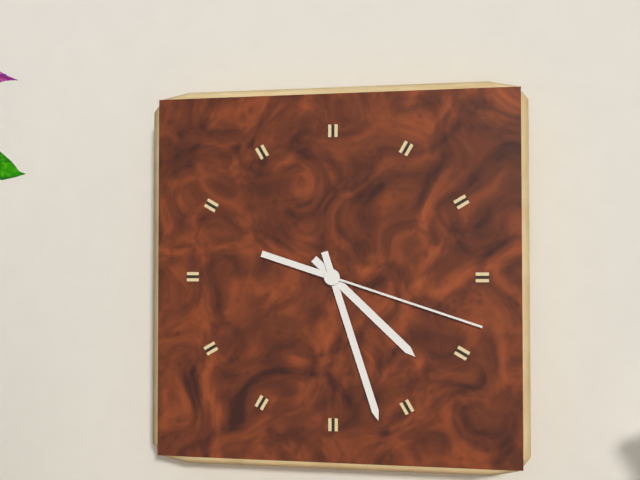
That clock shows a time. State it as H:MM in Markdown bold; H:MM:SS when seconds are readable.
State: **4:27:18**
